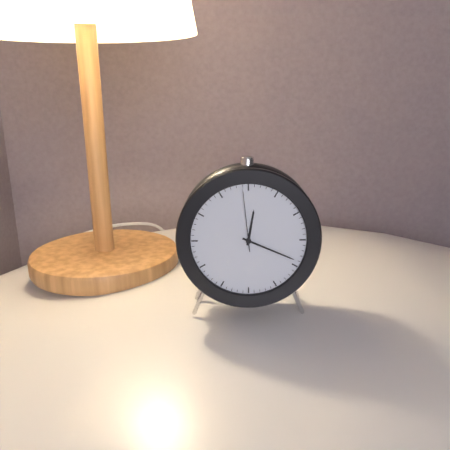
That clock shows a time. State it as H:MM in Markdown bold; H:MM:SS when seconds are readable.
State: **12:19:59**
